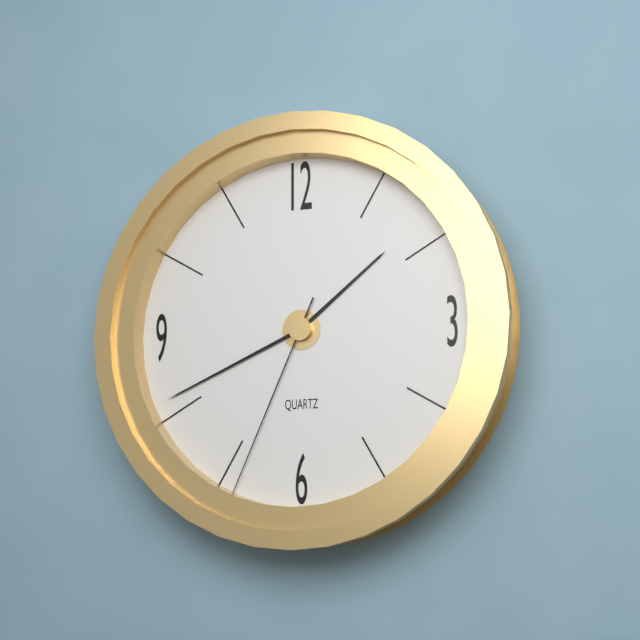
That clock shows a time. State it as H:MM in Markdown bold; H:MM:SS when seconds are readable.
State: **1:41:34**
